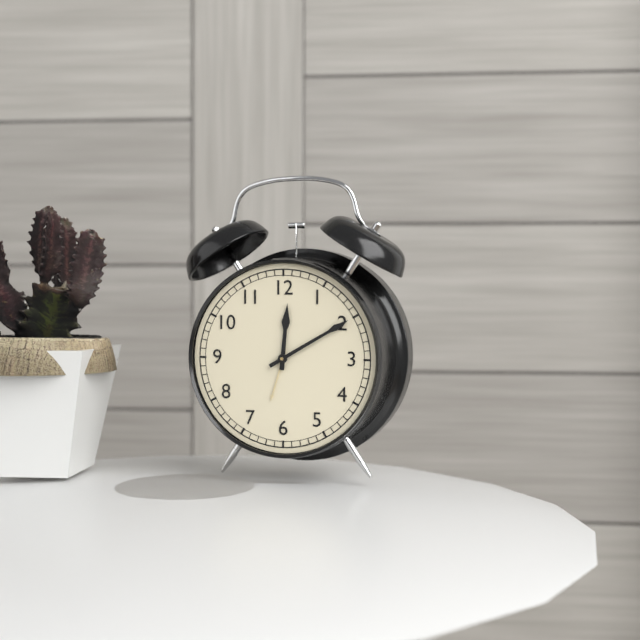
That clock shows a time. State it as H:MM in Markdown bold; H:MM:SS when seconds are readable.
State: **12:10**
